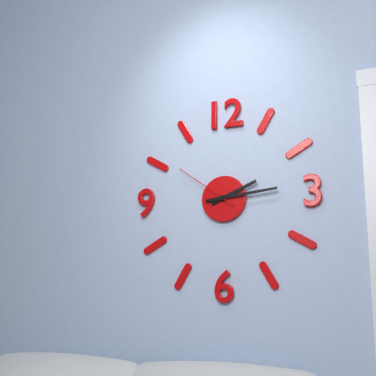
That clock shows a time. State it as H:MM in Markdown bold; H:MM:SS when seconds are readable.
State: **2:14:51**
